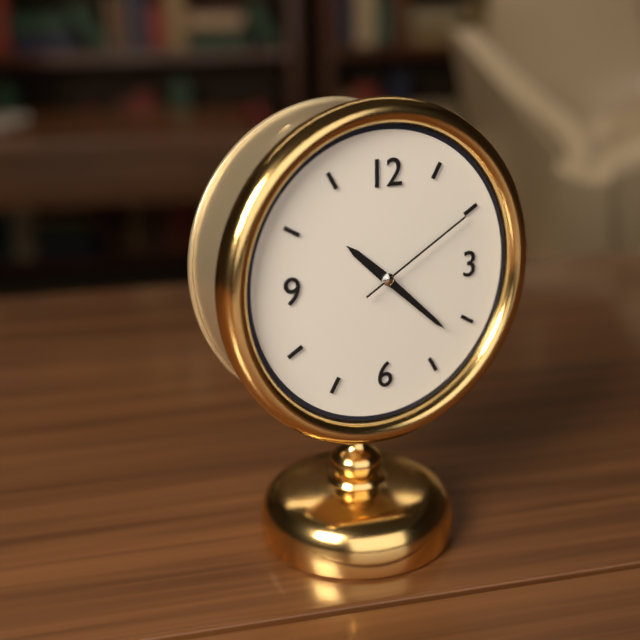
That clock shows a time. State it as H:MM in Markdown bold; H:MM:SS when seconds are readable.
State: **10:22:10**
